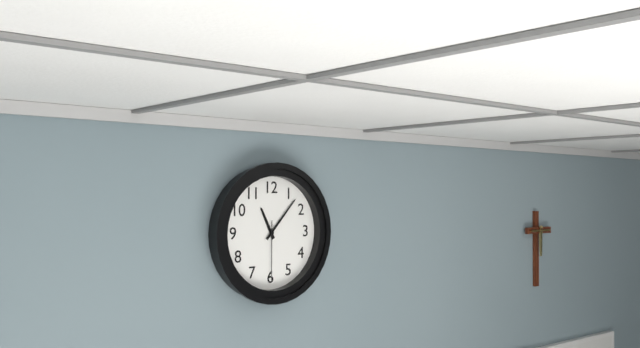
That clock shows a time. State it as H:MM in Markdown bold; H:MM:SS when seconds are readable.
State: **11:07:30**
